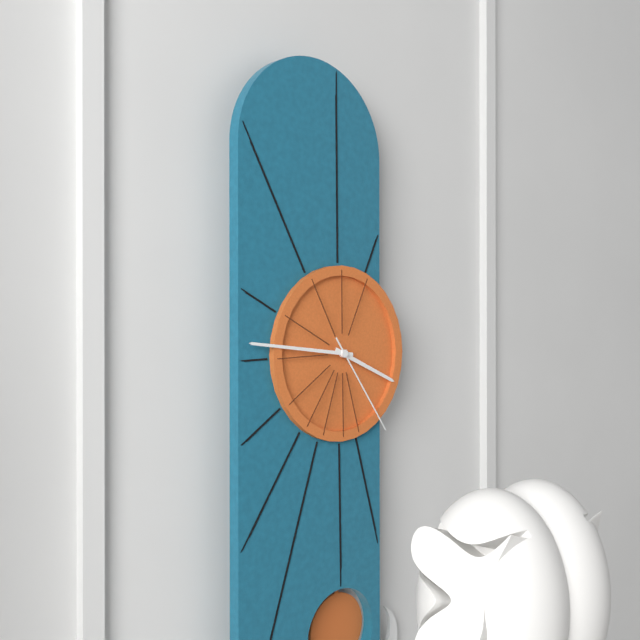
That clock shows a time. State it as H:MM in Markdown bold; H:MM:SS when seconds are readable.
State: **3:46:24**
